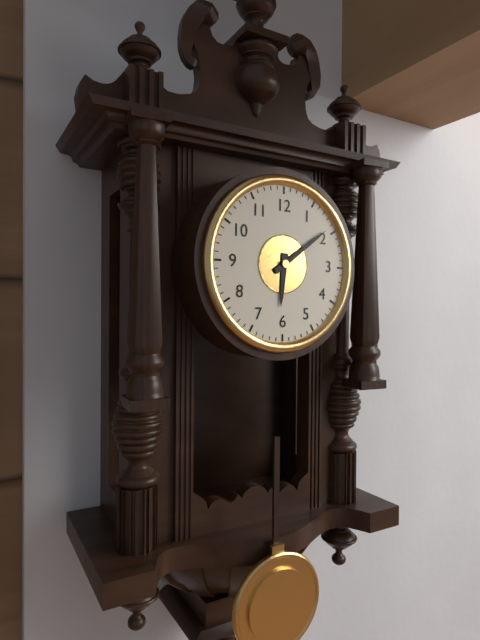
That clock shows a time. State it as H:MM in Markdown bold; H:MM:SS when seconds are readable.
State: **6:09**
